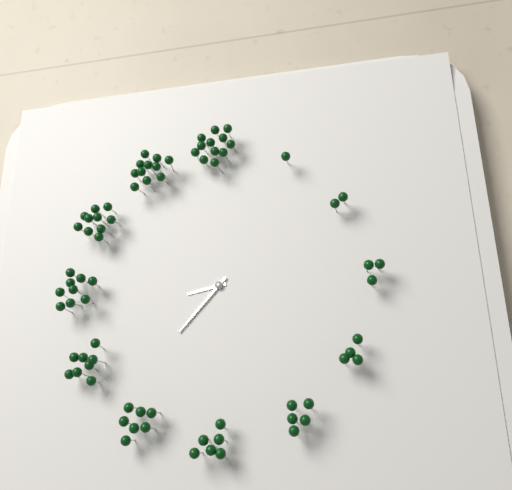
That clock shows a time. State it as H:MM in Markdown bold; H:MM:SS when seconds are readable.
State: **8:37**
